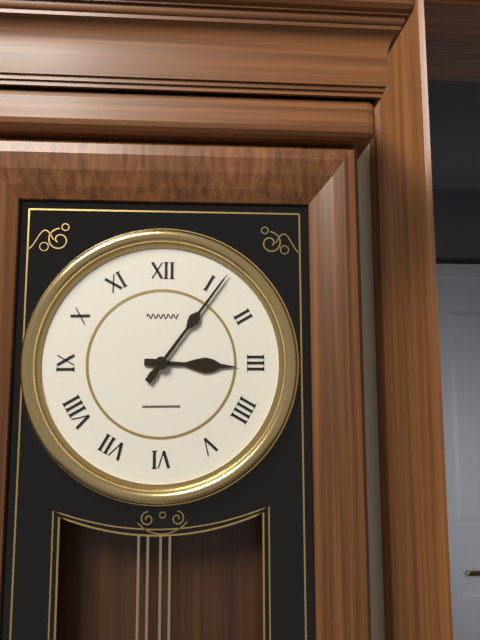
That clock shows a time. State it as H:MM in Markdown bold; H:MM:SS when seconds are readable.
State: **3:06**
